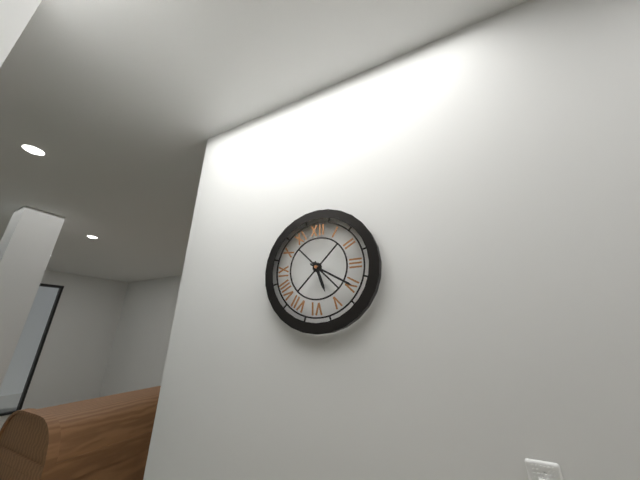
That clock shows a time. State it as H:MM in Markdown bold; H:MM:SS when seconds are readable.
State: **5:20**
